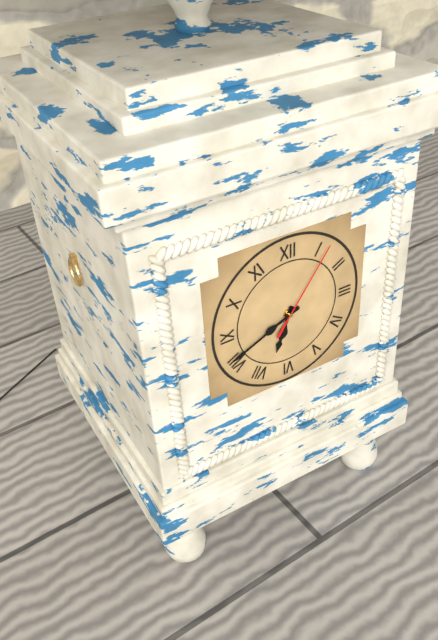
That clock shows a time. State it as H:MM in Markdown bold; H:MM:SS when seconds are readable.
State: **6:41:06**
